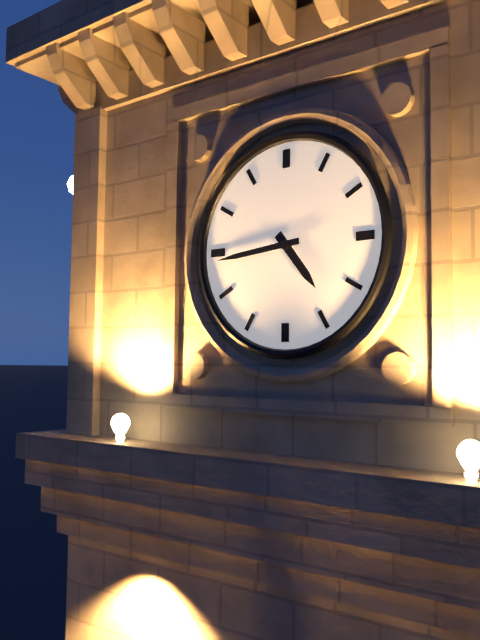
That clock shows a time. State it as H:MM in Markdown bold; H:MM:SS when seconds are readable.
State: **4:44**
